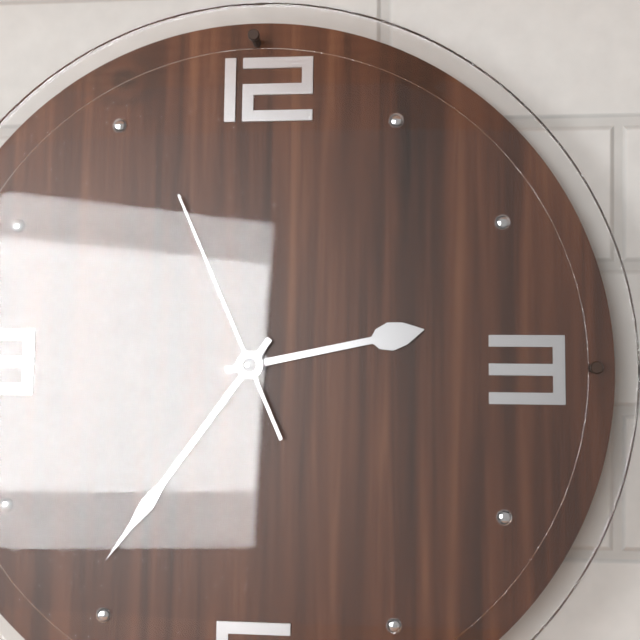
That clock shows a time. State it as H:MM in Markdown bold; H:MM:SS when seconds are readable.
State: **2:36:56**
